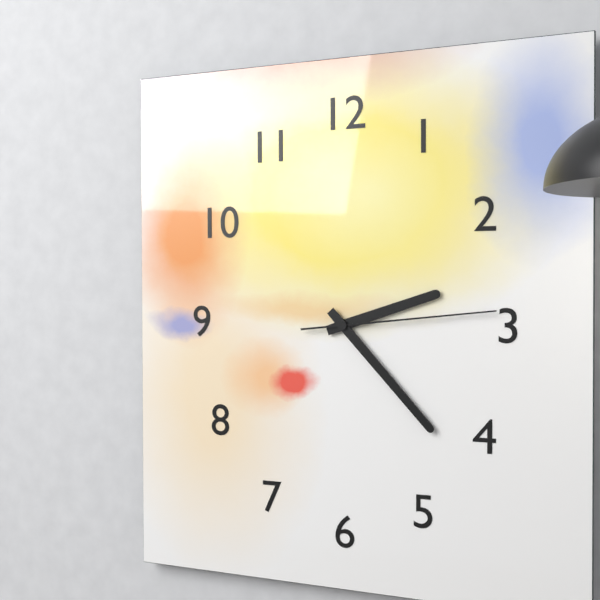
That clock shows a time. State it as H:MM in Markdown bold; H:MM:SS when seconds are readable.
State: **2:23:14**
